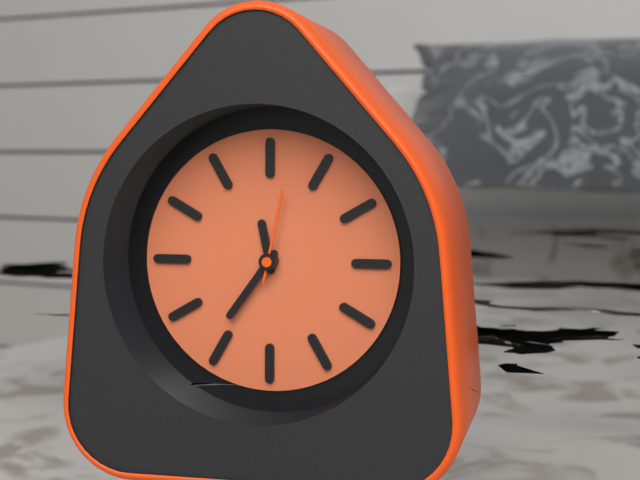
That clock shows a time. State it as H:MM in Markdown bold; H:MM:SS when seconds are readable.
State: **11:36:02**
